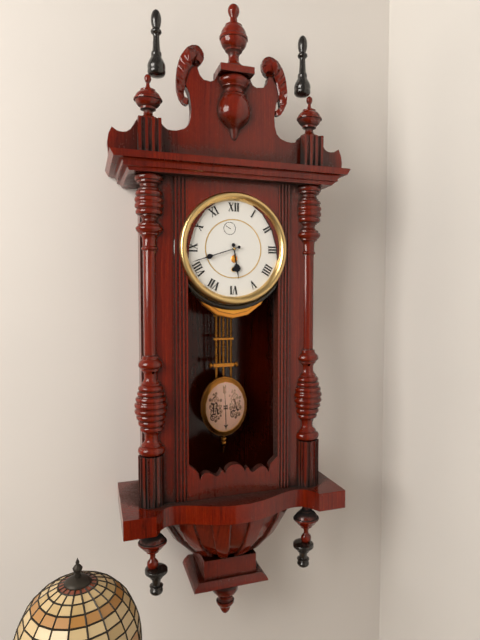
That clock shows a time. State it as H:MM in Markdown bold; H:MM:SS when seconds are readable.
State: **5:42**
